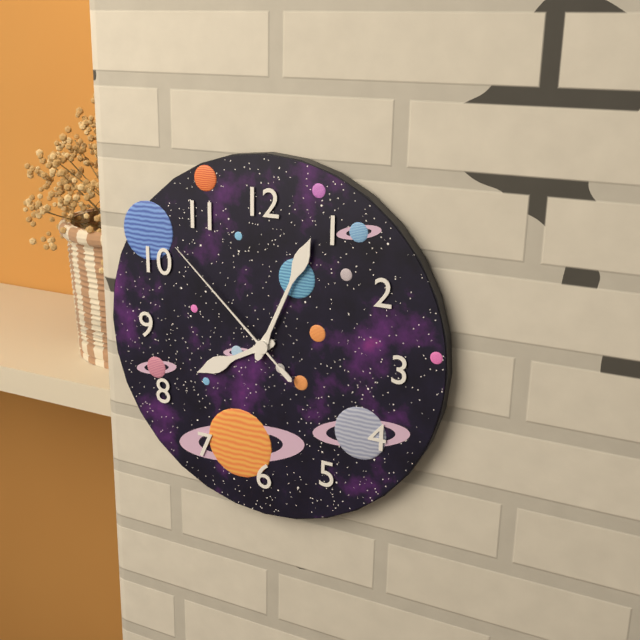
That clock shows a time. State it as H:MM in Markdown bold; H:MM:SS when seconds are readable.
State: **8:04:52**
